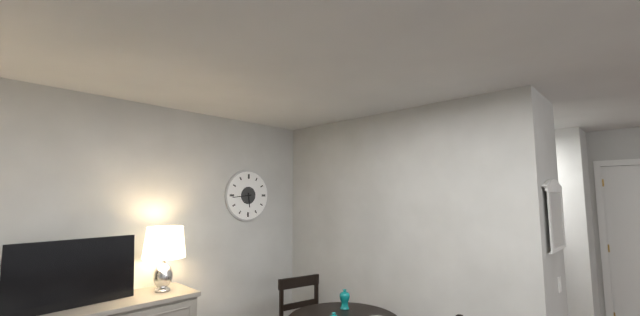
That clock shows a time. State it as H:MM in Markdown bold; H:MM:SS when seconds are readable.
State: **5:44**
